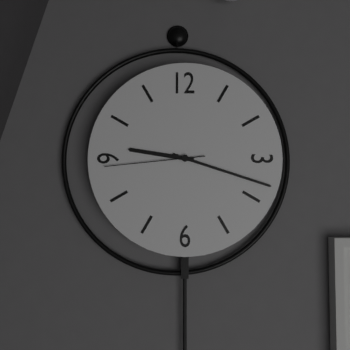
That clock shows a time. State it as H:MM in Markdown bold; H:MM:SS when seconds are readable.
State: **9:18:44**
